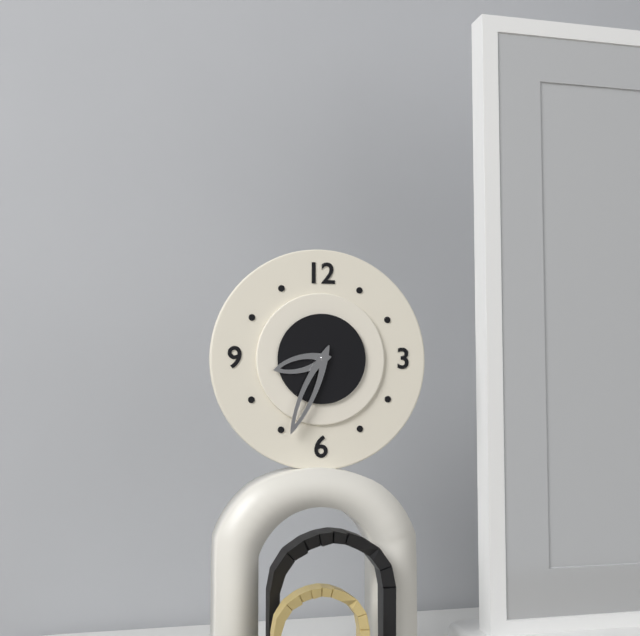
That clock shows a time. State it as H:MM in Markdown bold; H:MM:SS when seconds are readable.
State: **8:34**
